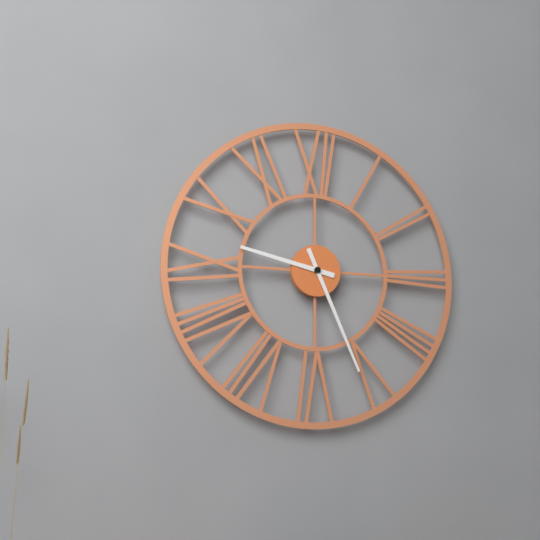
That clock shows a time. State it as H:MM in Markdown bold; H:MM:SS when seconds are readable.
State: **9:26**
